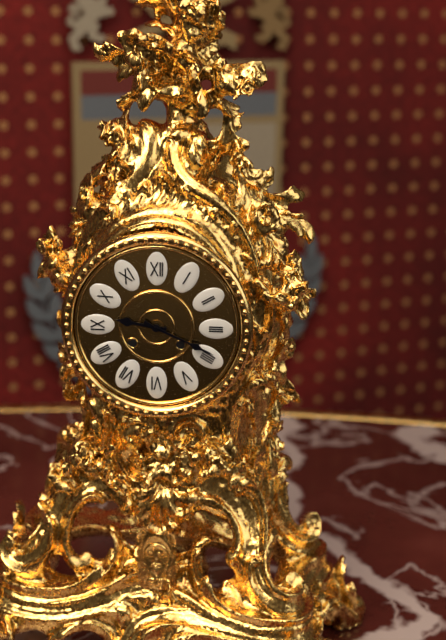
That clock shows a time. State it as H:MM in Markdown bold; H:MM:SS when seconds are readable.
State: **9:19**
